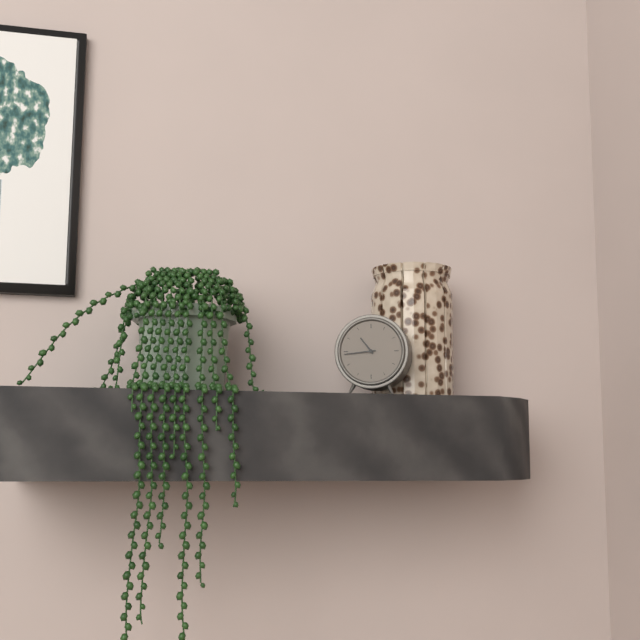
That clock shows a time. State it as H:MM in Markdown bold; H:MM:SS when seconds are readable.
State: **10:44**
